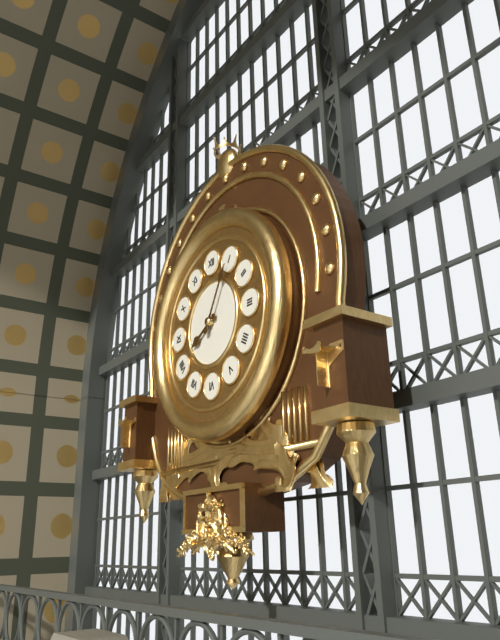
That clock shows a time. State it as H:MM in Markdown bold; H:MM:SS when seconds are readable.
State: **8:05**
